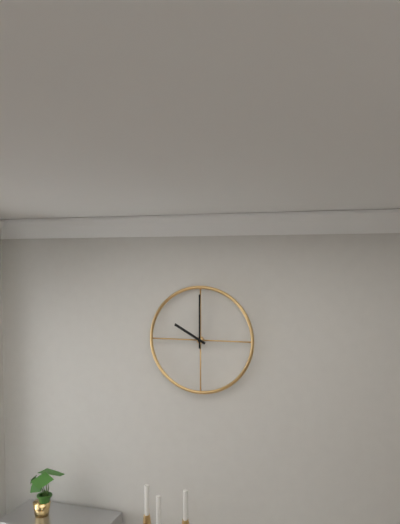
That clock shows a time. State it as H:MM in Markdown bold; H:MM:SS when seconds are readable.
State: **10:00**
